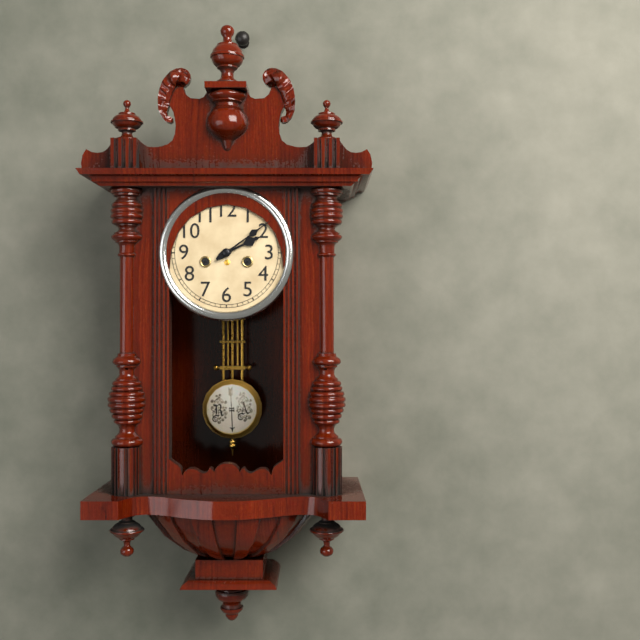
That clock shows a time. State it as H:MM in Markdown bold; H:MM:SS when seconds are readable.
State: **2:09**
